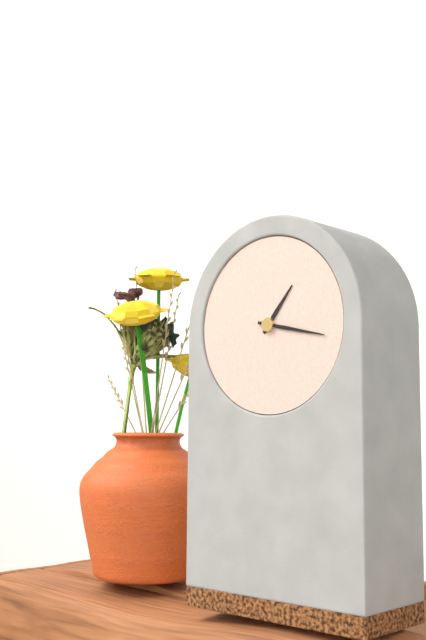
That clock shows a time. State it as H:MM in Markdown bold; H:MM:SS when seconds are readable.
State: **1:17**
